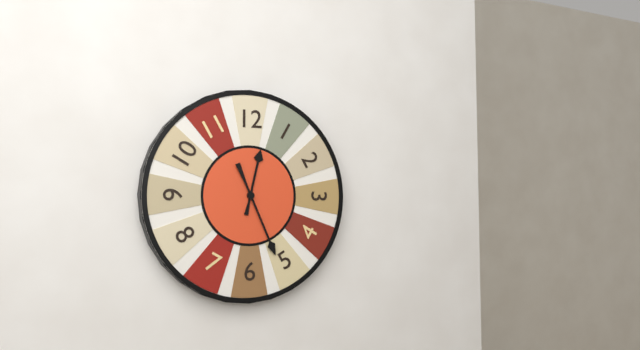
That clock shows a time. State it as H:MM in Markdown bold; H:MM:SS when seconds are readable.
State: **12:26**
